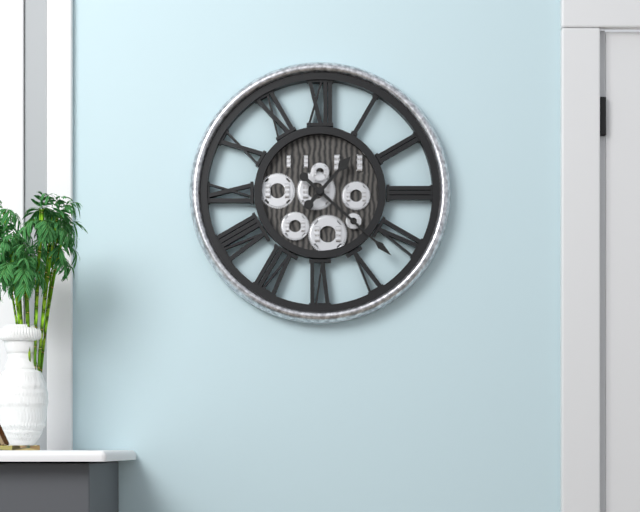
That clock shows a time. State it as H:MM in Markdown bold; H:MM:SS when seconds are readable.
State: **1:22**
